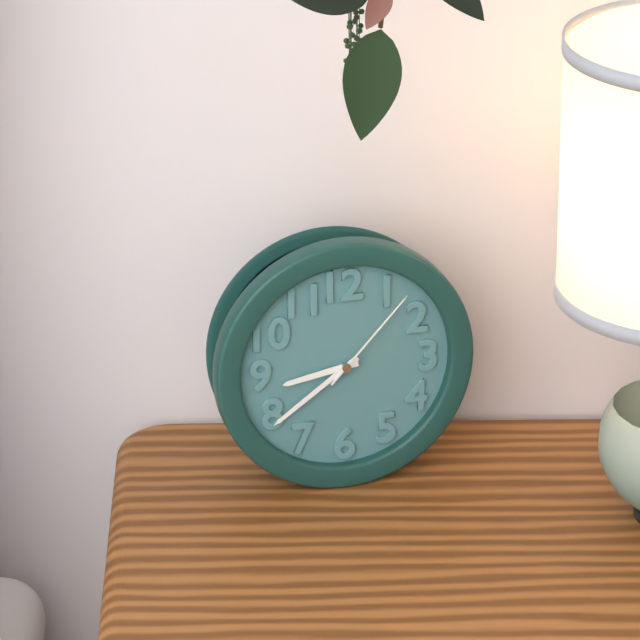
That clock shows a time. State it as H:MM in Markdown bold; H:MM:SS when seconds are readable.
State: **8:39:07**
